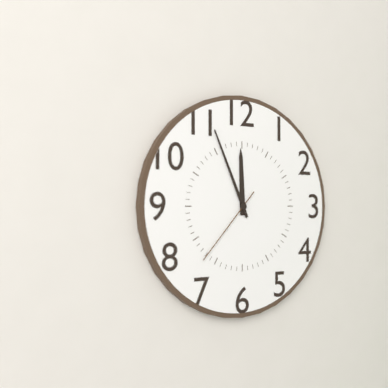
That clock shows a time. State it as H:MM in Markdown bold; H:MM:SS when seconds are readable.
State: **11:56:37**
